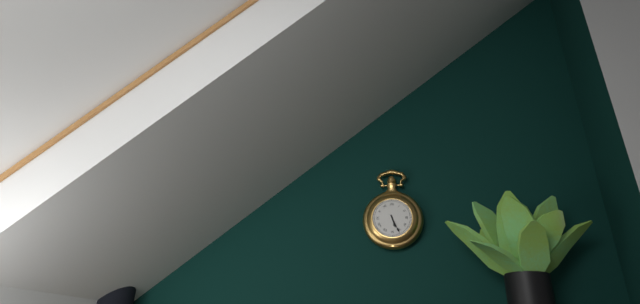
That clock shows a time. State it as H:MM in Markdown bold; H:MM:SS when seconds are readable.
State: **5:26**
